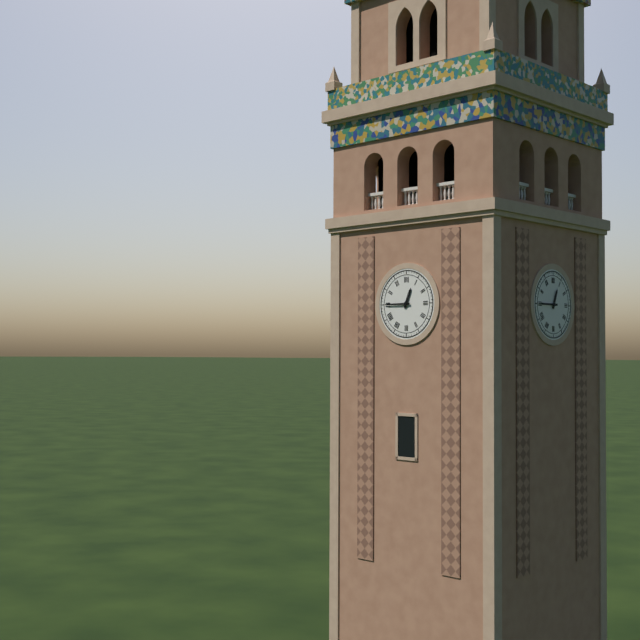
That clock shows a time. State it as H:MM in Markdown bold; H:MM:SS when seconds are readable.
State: **12:45**
